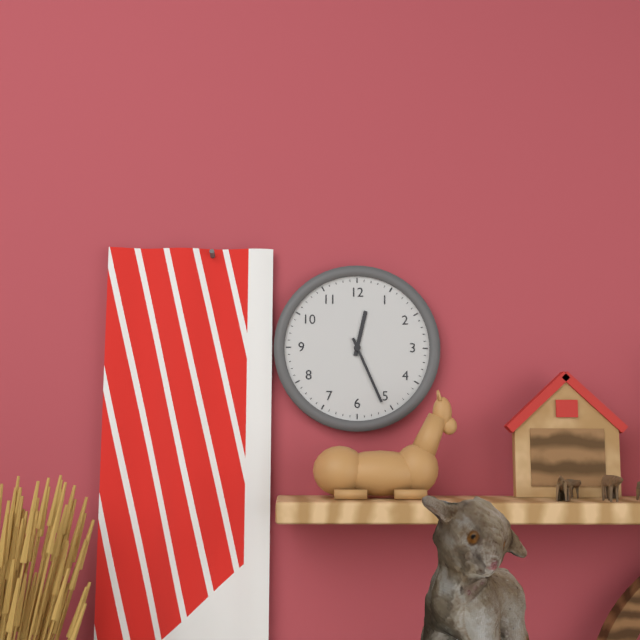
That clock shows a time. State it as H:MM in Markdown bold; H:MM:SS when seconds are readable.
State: **12:26**
